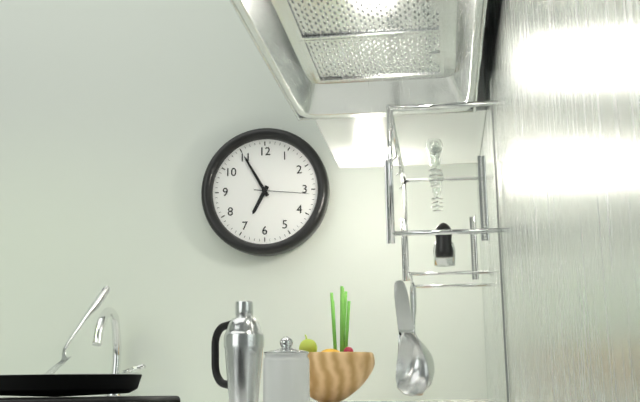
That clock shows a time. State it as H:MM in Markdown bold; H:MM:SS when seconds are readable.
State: **6:55:16**
